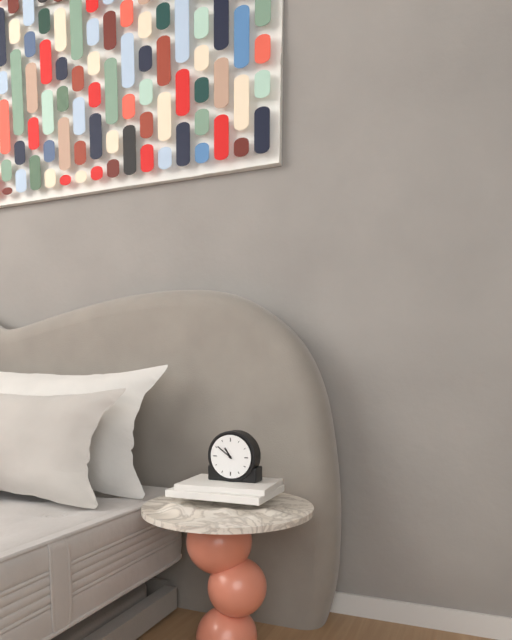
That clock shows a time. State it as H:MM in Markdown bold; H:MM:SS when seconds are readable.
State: **10:51**
